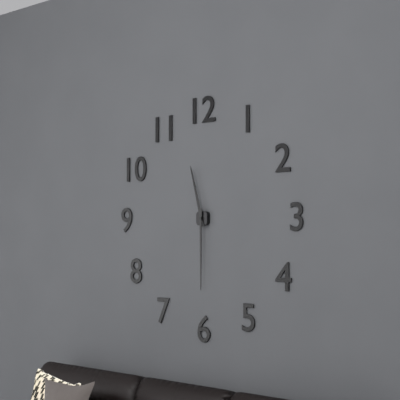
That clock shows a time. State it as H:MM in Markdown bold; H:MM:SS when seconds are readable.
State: **11:30**
